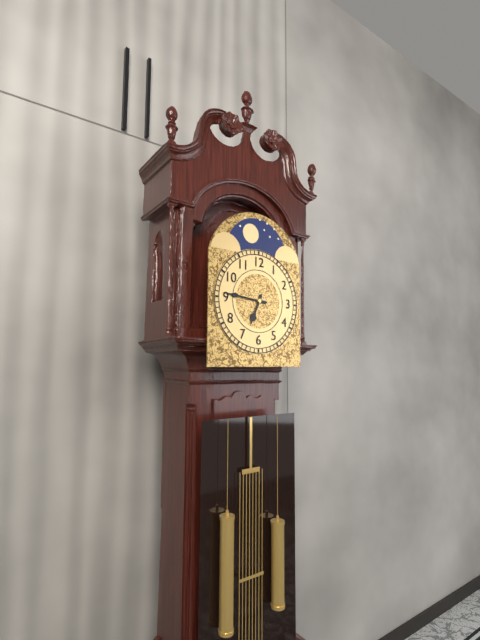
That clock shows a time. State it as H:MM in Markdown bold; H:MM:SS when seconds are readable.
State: **6:46**
